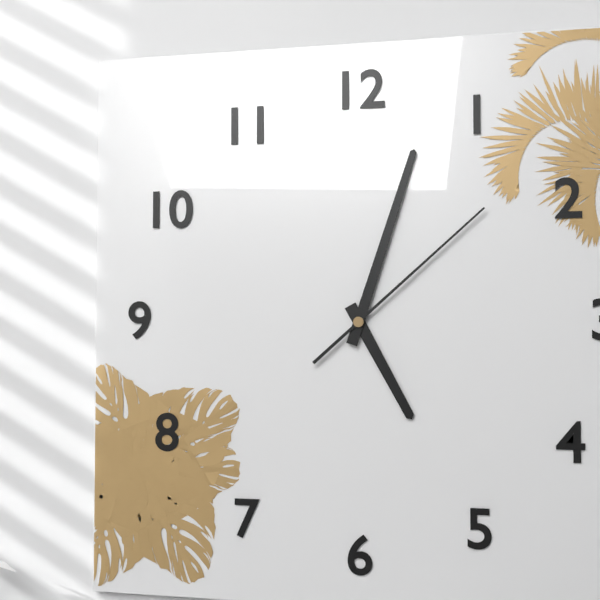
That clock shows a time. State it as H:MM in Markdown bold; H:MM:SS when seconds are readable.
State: **5:03:08**
